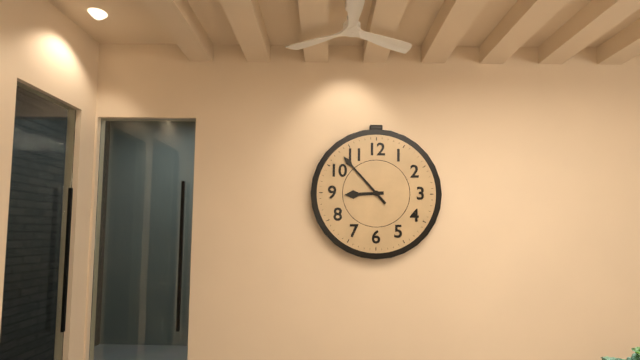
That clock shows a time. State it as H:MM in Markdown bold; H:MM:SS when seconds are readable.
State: **8:53**
